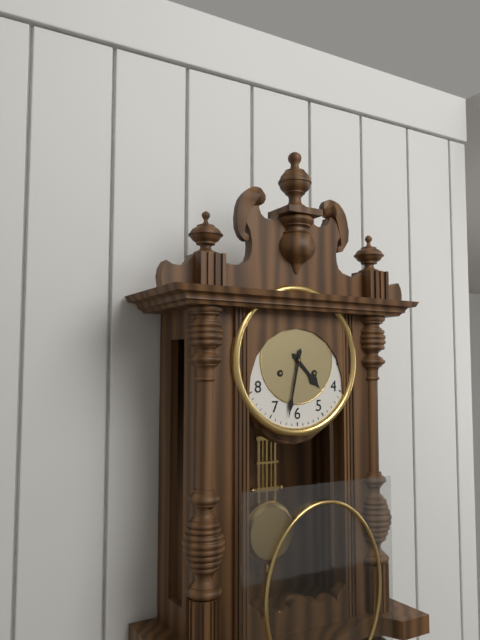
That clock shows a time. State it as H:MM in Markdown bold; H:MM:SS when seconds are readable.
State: **4:32**
